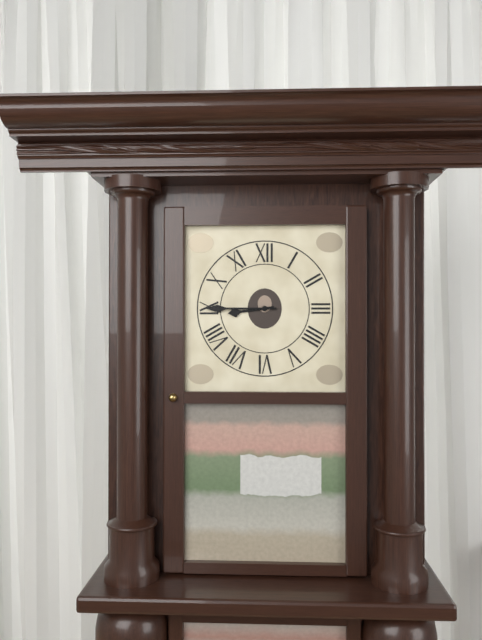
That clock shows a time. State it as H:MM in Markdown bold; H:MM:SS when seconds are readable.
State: **8:45**
